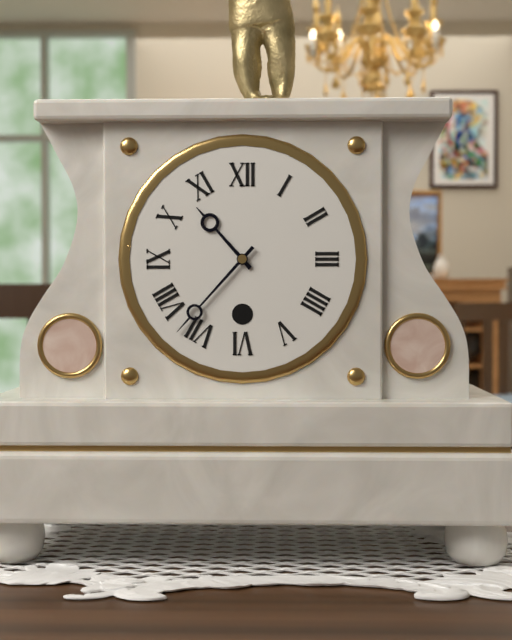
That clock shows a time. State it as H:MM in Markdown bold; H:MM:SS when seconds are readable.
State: **10:37**
